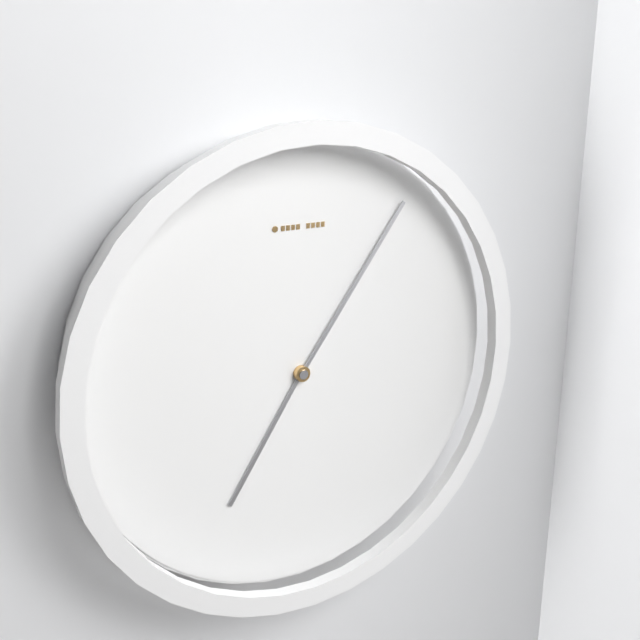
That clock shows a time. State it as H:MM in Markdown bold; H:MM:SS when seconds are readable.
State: **7:06**
